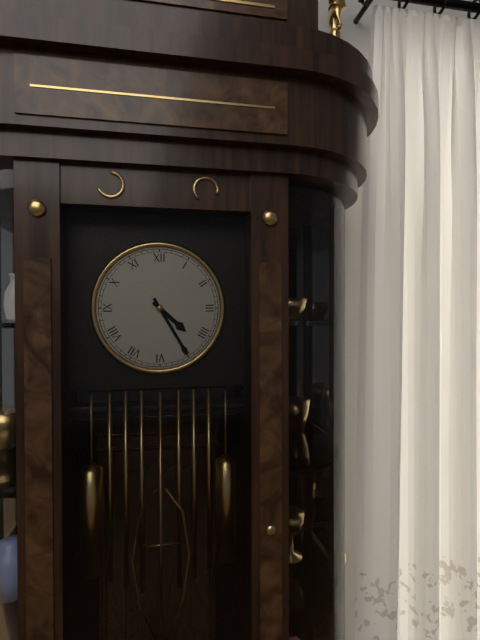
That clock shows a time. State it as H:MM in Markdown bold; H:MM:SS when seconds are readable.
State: **4:25**
